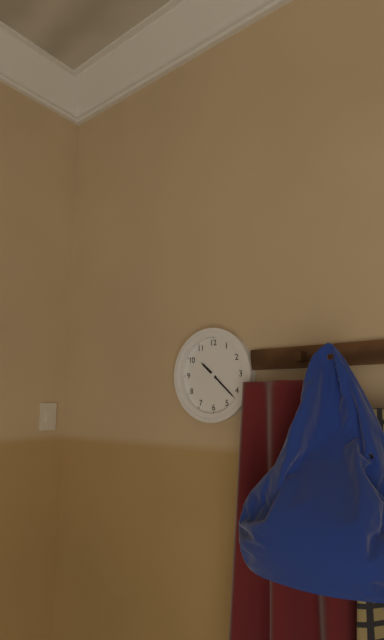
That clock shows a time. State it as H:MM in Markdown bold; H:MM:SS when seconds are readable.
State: **10:22**
